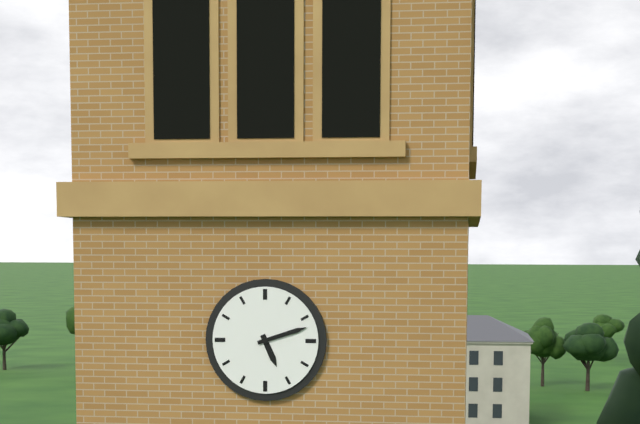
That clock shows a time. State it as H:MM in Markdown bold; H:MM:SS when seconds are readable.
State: **5:12**
